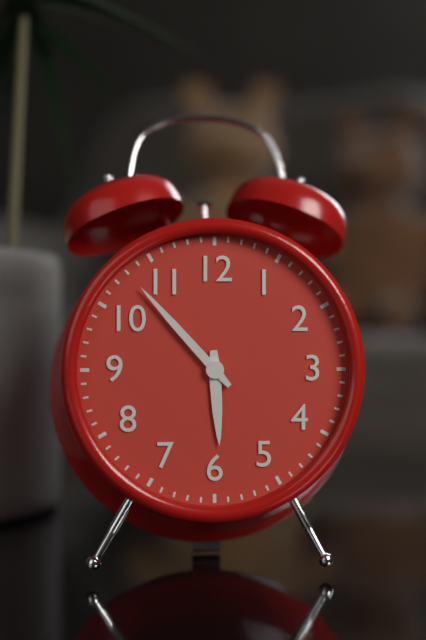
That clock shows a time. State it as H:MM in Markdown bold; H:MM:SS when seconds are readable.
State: **5:53**
